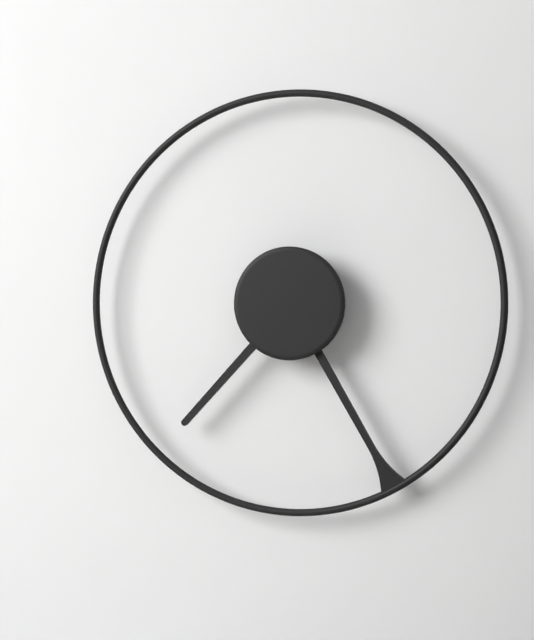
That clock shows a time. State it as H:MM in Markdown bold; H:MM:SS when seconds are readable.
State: **7:25**
